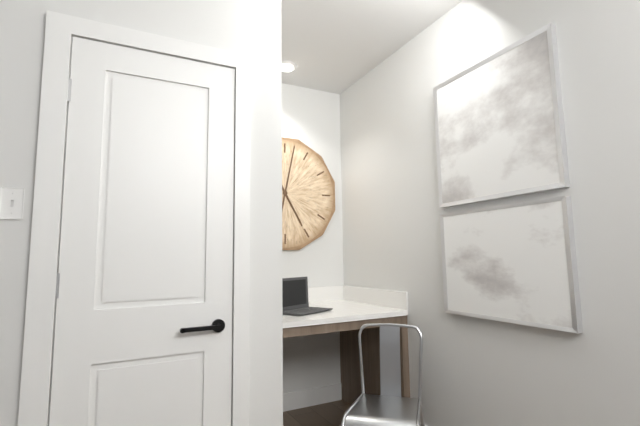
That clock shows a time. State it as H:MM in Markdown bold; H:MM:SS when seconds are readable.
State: **5:02**
